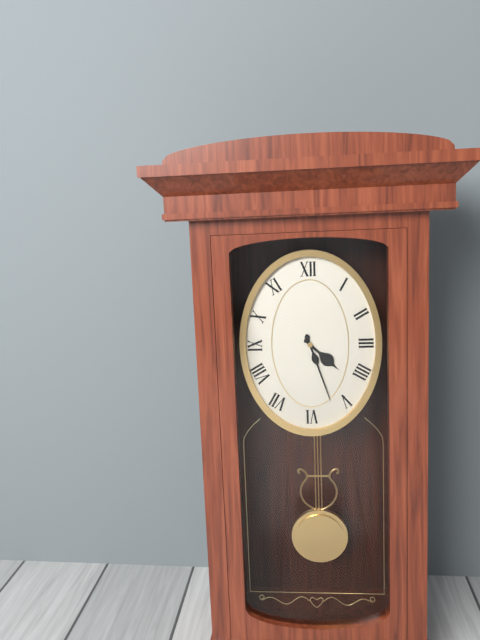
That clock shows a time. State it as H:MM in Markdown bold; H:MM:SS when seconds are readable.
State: **4:27**
